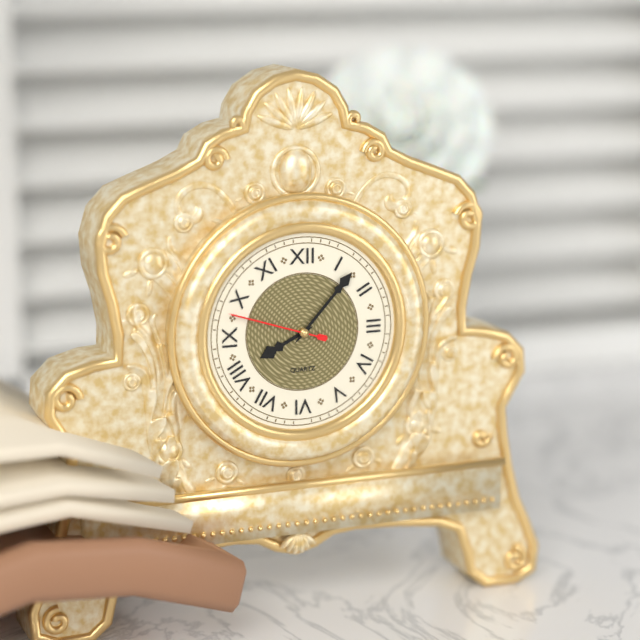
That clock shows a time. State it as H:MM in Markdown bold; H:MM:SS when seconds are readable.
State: **8:07:48**
